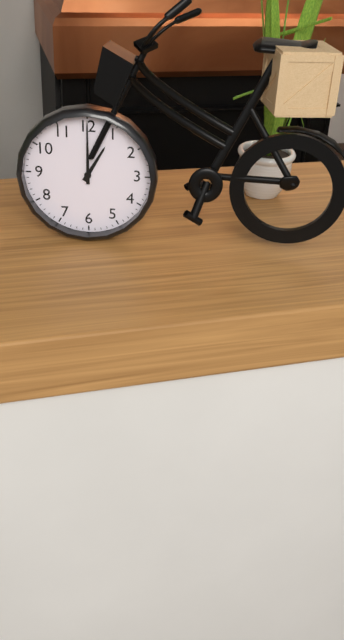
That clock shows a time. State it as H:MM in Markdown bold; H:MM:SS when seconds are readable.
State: **1:00**
